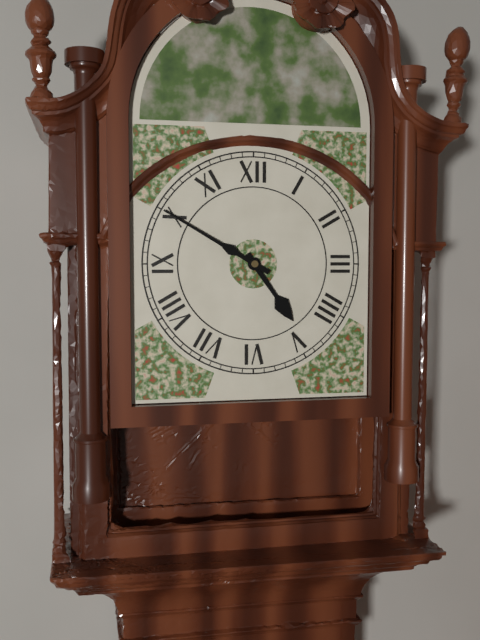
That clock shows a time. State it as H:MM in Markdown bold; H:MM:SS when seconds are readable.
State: **4:50**
